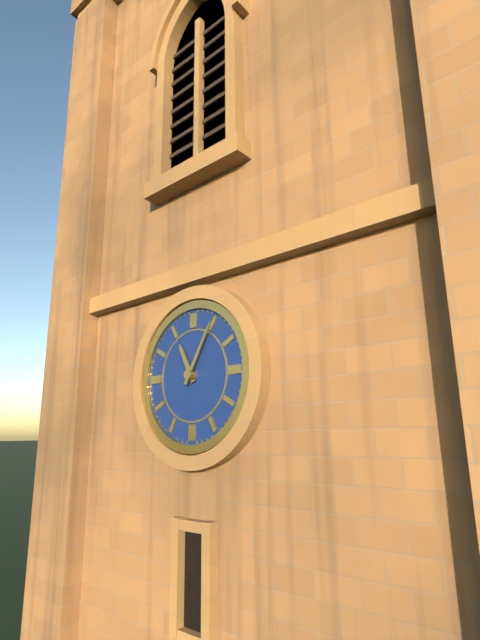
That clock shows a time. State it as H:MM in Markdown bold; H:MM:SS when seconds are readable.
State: **11:05**
